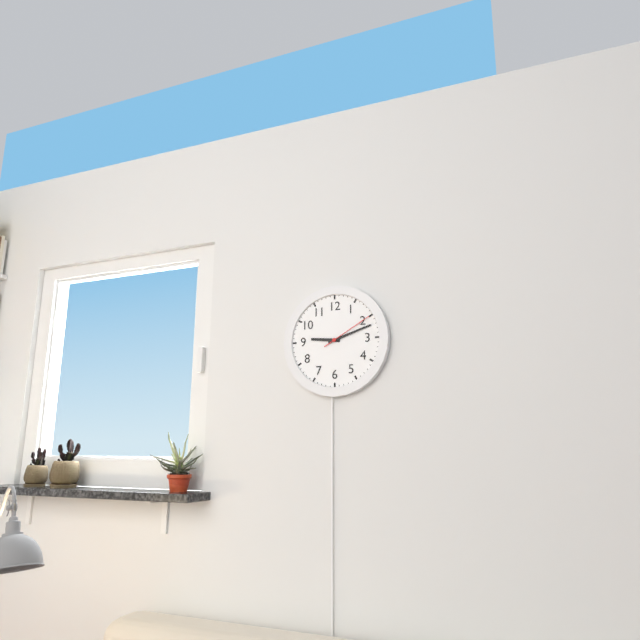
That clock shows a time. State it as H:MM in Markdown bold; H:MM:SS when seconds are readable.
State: **9:12:10**
